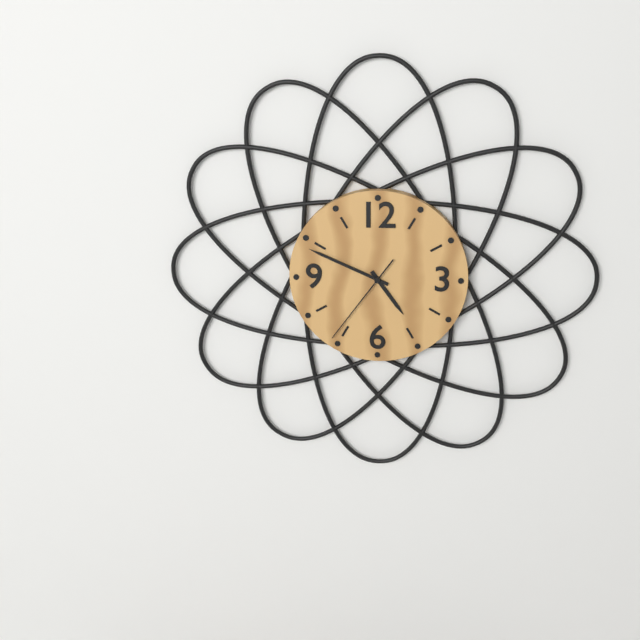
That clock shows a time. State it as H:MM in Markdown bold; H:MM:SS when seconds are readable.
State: **4:49:36**
